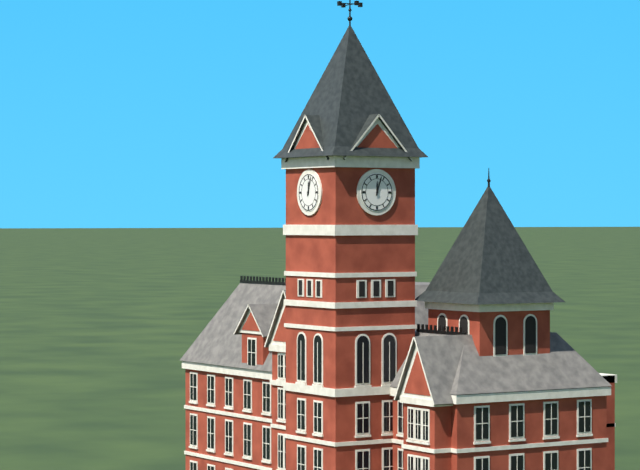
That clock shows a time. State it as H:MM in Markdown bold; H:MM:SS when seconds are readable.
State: **12:03**
